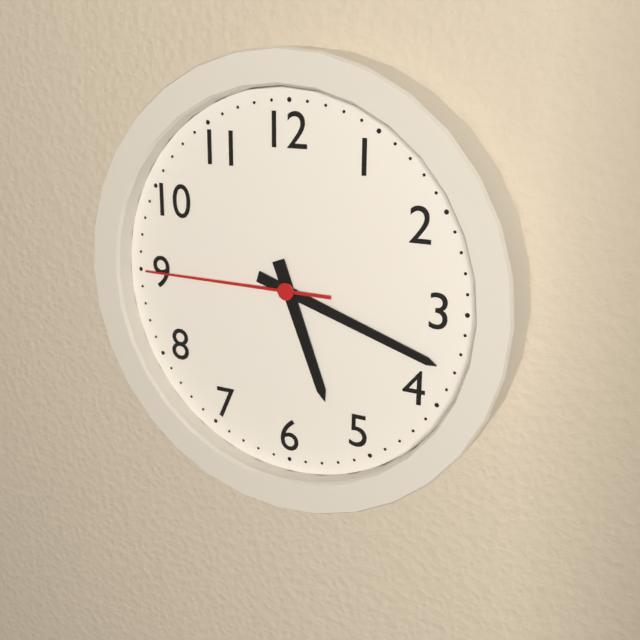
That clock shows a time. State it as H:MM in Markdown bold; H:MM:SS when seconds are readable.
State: **5:18:45**
